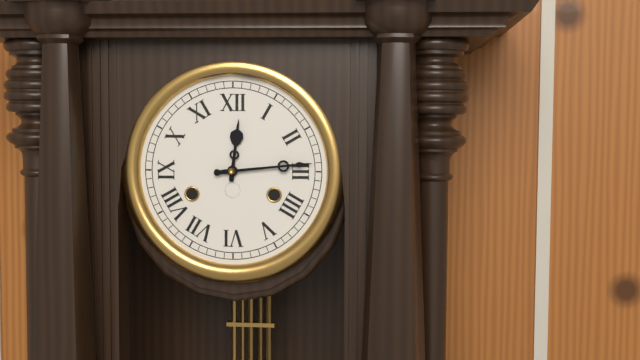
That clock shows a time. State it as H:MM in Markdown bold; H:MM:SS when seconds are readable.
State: **12:14**
